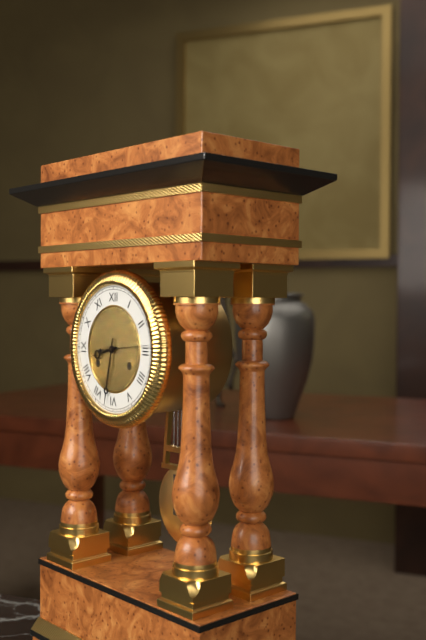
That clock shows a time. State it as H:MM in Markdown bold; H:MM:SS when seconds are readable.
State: **8:32**
